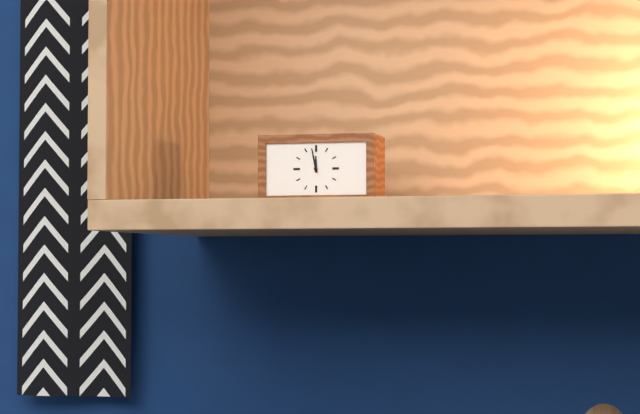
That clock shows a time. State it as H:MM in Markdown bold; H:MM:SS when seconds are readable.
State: **11:58**
